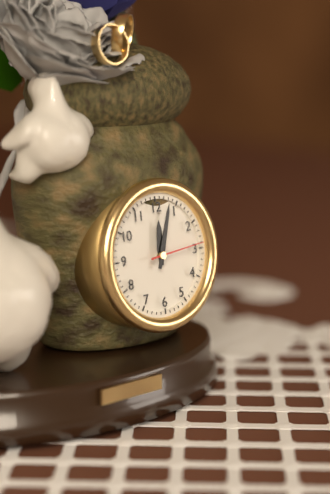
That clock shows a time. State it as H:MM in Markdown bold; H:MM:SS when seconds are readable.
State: **12:03:14**
